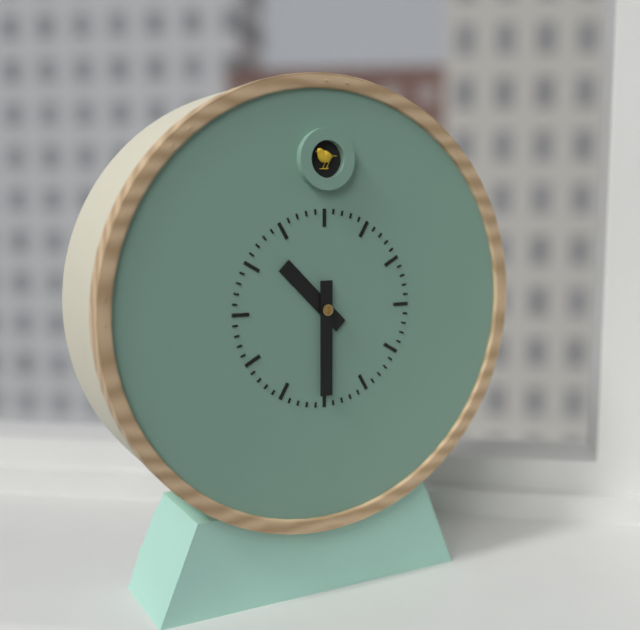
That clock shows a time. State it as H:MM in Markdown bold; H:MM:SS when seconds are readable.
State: **10:30**
